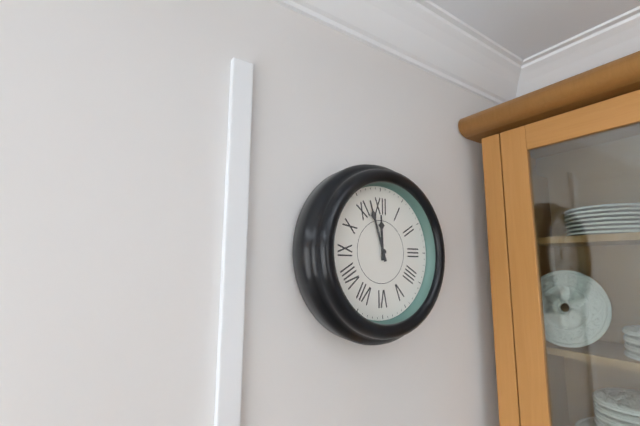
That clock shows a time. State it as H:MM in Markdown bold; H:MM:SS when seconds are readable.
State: **11:57**
